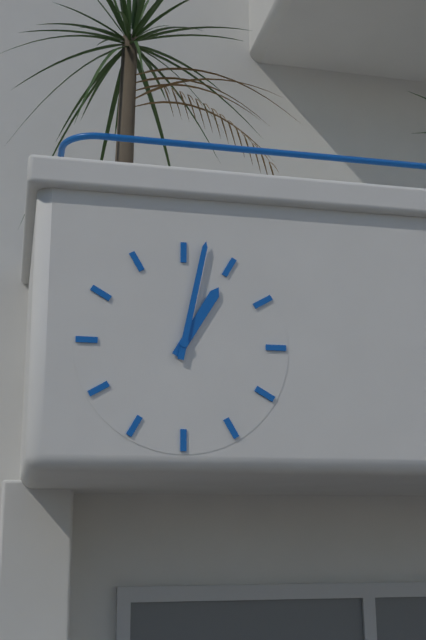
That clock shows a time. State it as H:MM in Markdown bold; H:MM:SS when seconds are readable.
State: **1:02**
